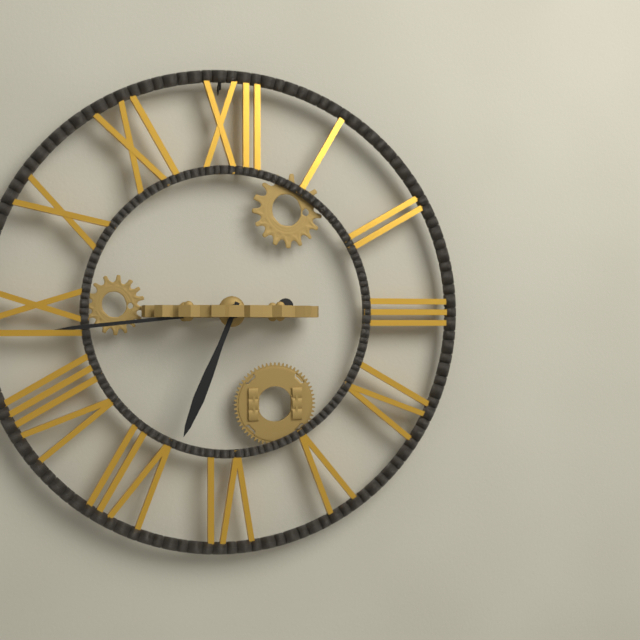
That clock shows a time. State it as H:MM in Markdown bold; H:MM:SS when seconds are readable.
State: **6:44**
